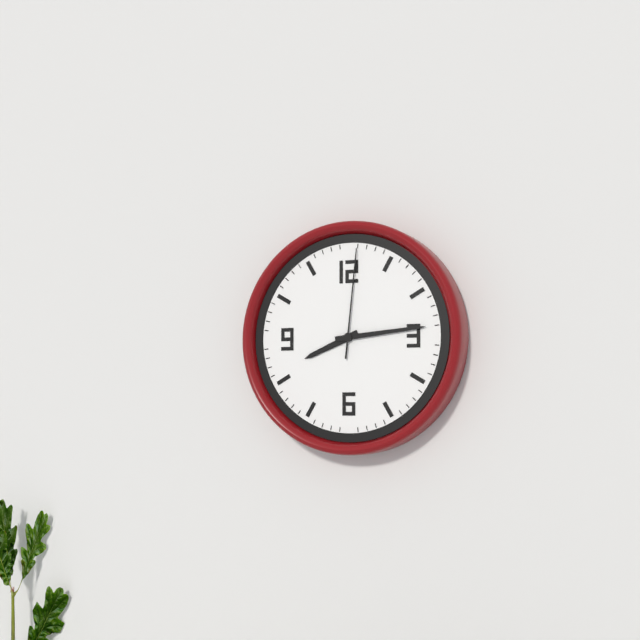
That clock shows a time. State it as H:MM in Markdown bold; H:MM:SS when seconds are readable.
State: **8:14:01**
